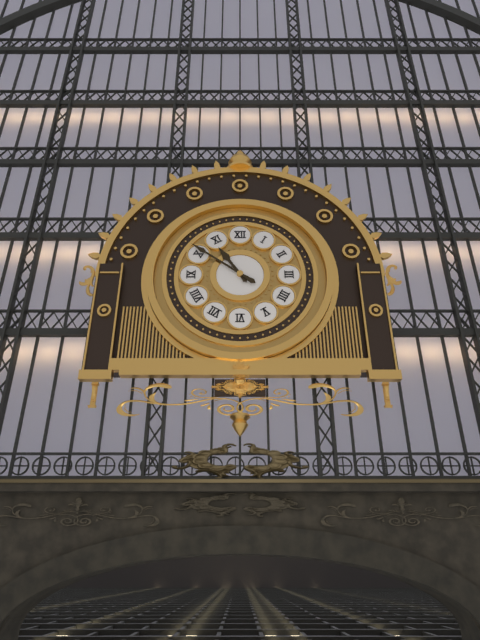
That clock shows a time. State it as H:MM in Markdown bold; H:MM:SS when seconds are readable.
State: **10:51**
